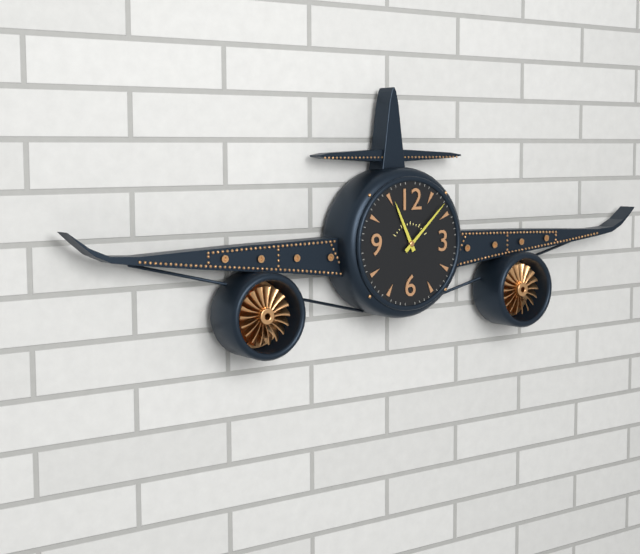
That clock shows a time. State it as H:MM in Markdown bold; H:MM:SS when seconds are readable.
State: **11:08**
